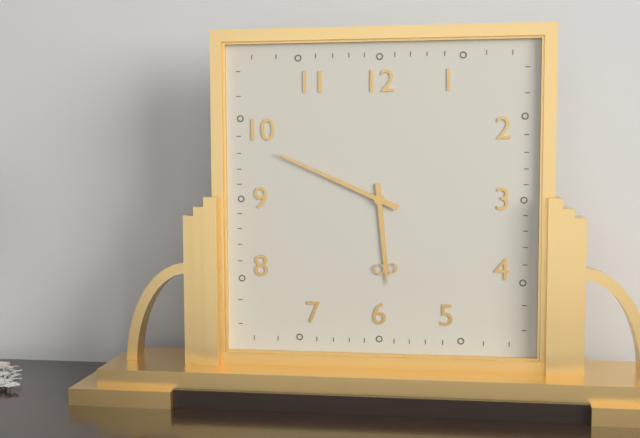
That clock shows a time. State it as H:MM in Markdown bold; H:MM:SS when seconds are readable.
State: **5:49**
